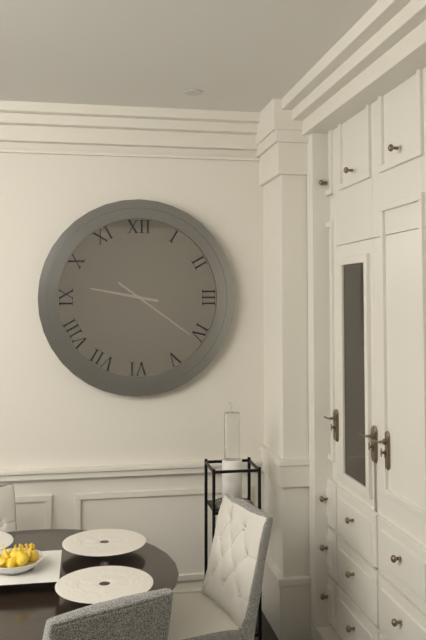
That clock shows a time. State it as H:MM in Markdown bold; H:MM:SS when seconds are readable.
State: **9:21**
